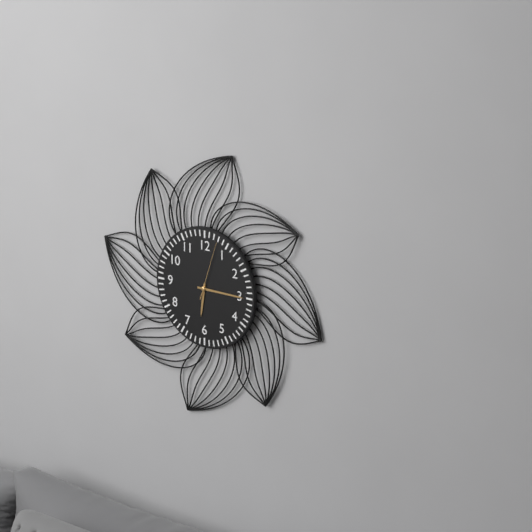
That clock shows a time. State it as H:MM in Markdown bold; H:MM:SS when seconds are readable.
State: **6:15:03**
